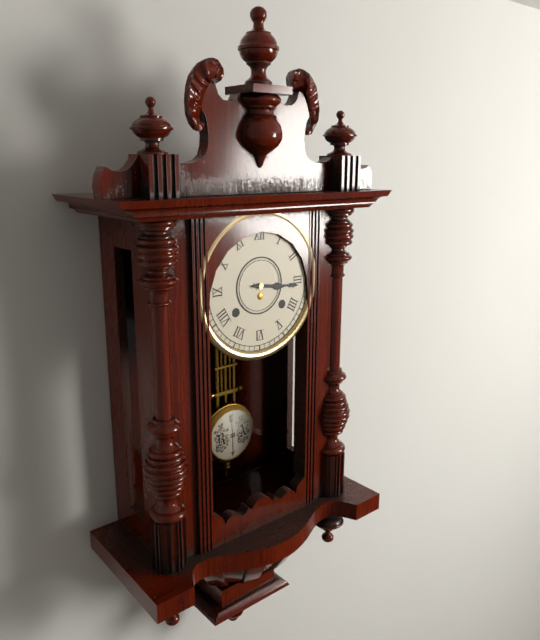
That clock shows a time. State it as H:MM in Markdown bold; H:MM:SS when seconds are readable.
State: **3:16**
